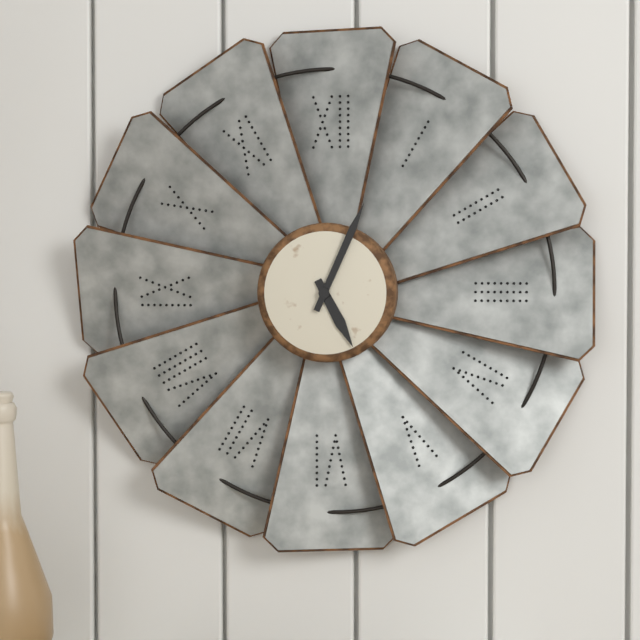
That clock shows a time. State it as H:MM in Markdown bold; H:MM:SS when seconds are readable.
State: **5:04**
